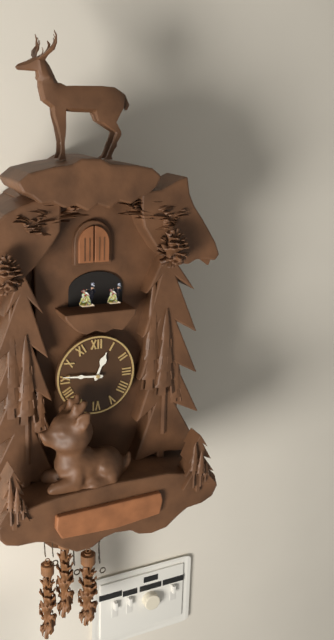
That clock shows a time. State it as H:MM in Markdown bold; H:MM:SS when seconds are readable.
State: **12:46**
